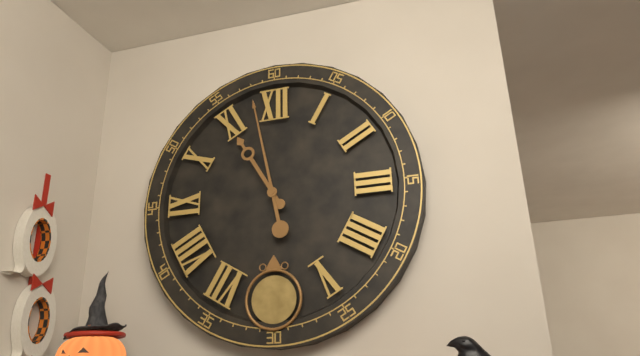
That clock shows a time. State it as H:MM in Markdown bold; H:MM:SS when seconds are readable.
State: **10:58**
